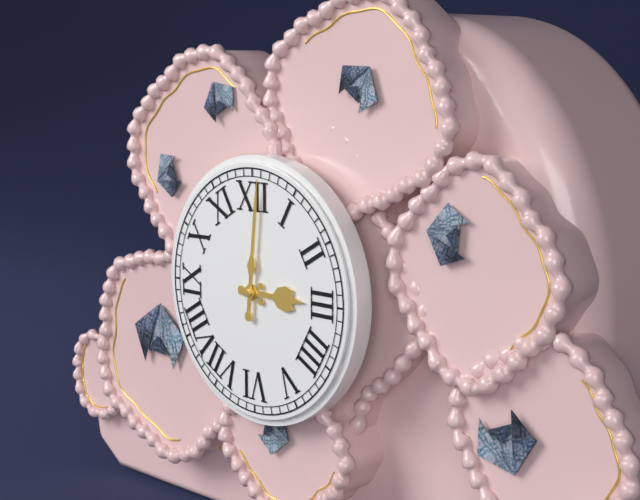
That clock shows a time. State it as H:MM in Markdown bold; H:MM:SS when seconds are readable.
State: **3:01**
